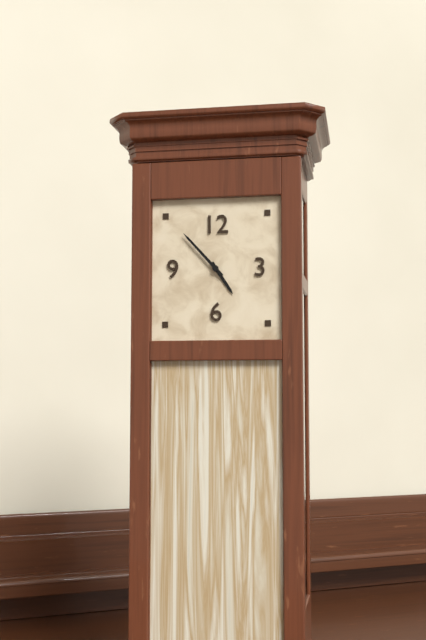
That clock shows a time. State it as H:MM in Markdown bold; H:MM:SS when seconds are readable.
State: **4:53**
